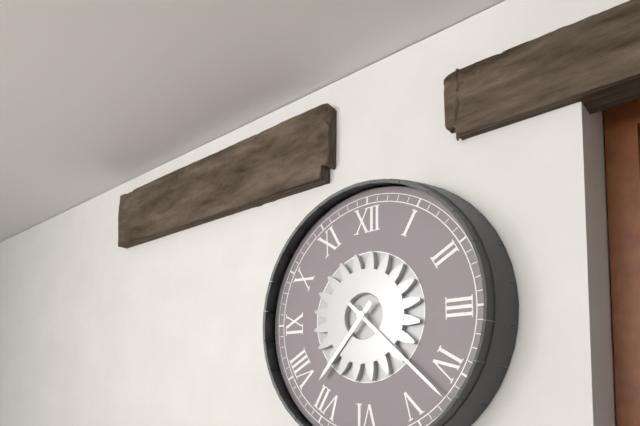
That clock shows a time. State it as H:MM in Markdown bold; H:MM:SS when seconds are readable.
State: **7:22**
